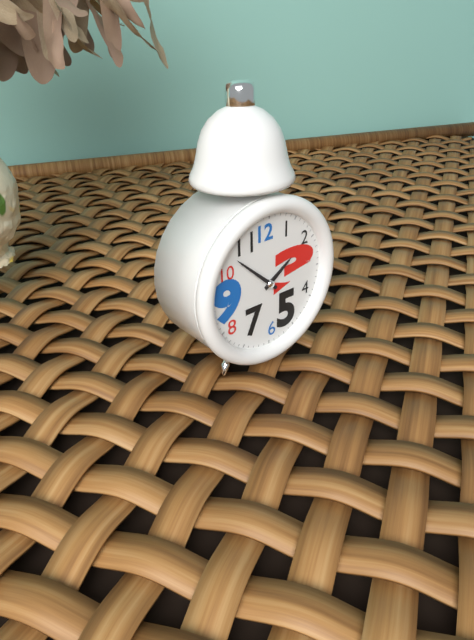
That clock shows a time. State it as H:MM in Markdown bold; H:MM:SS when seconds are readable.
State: **1:52**
